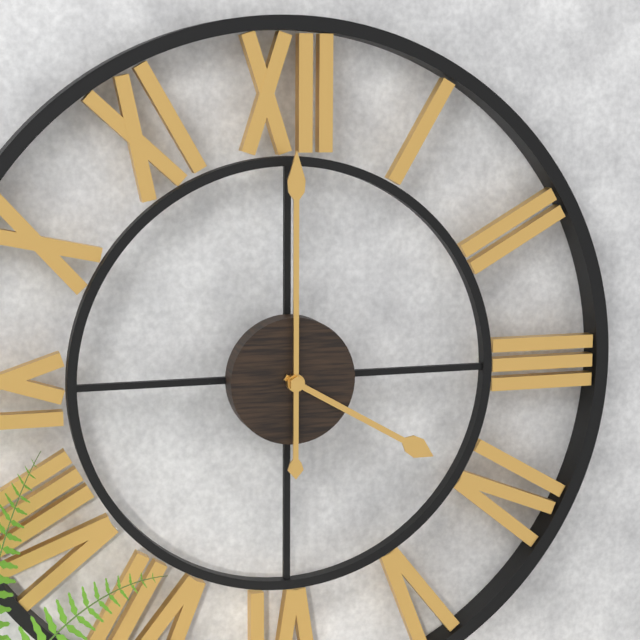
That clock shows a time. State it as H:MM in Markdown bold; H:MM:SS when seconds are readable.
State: **4:00**
